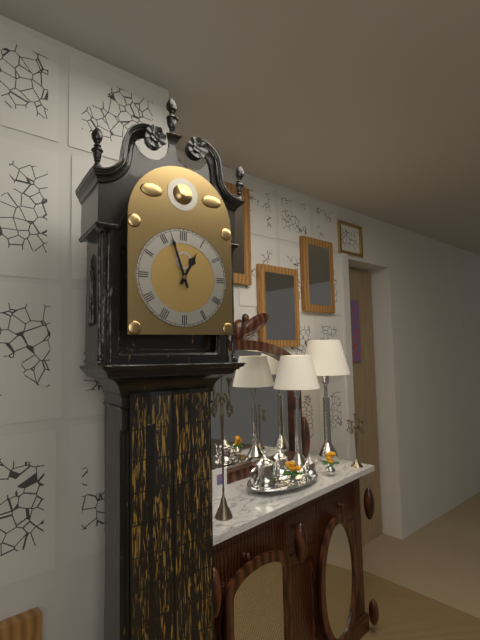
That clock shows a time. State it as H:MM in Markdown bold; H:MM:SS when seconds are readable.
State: **12:57**
